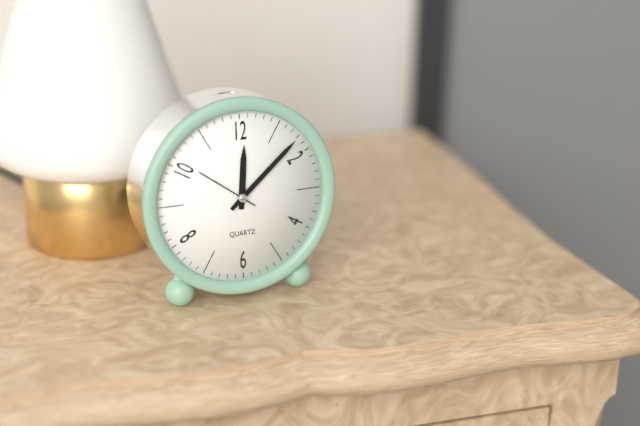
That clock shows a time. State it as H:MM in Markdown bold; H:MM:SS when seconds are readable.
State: **12:08:51**
